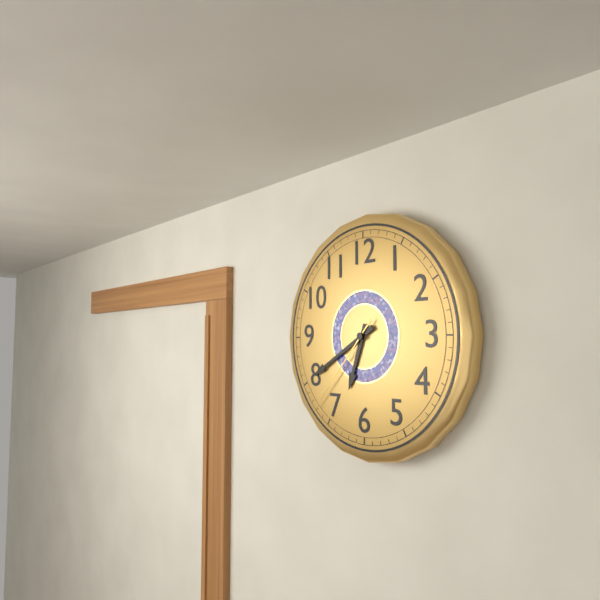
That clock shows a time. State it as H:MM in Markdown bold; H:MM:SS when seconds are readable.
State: **6:40:37**
